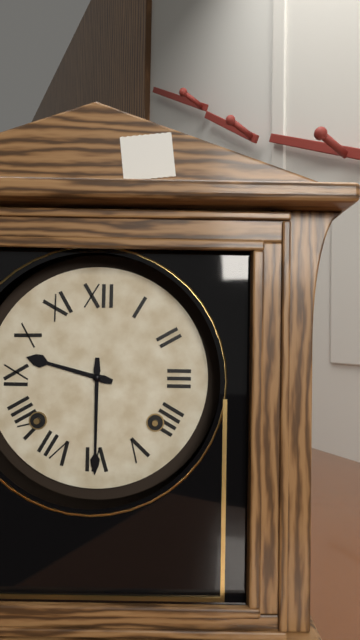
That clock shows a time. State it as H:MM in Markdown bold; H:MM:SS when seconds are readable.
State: **9:30**
